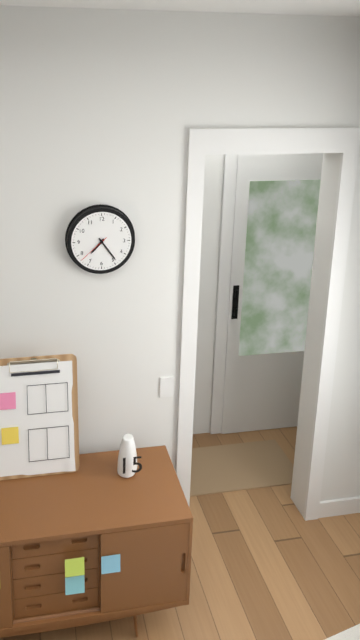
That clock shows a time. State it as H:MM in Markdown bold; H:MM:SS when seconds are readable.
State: **7:24**
